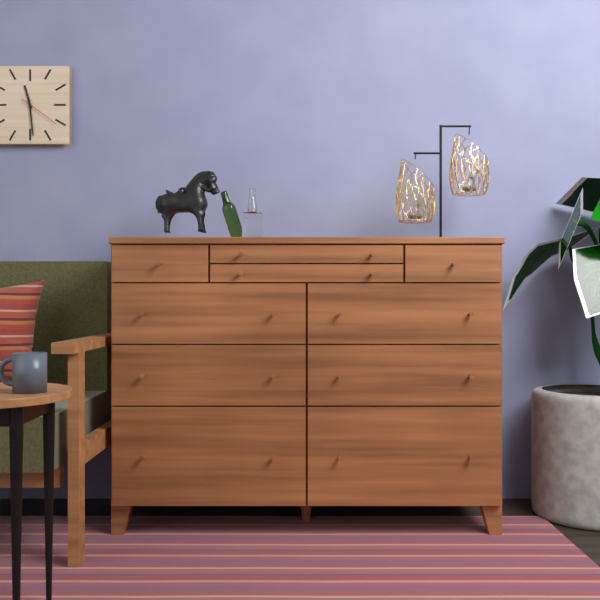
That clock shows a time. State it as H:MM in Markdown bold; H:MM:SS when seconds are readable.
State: **11:29**
